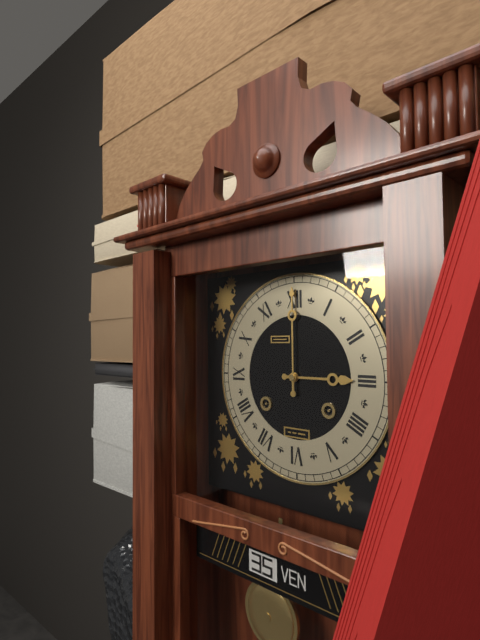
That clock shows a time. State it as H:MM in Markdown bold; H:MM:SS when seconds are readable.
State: **3:00**
